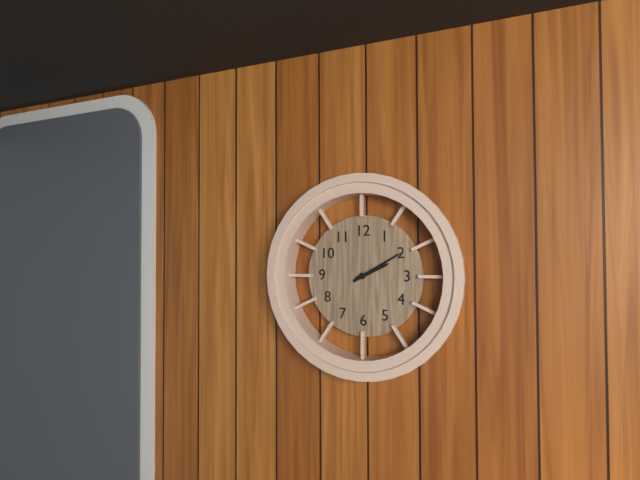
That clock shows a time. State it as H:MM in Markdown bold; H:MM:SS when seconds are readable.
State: **2:10**
